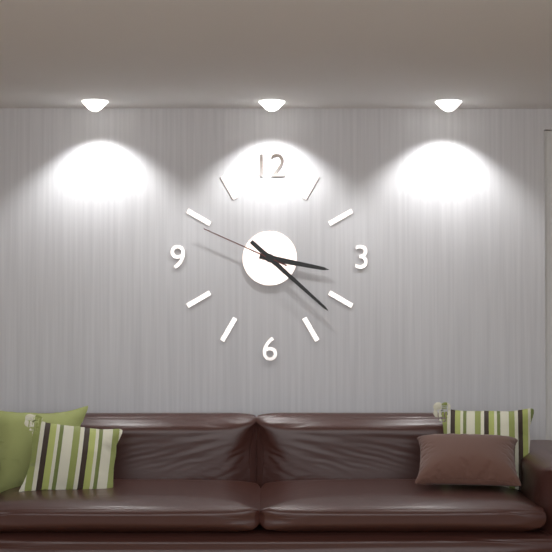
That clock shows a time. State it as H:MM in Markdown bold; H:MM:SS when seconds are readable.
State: **3:22:49**
